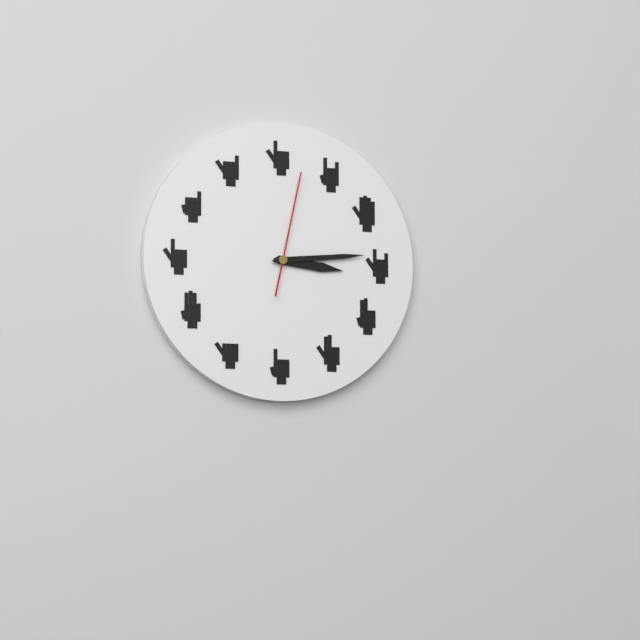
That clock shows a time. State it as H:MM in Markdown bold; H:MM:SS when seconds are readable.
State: **3:14:02**
